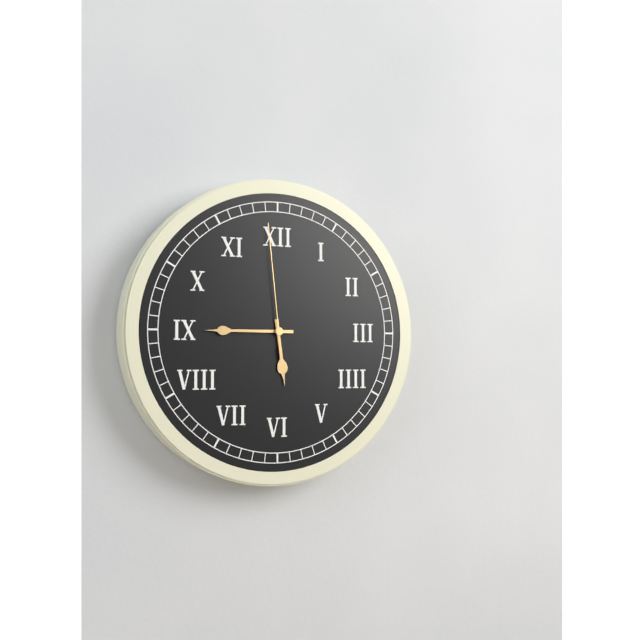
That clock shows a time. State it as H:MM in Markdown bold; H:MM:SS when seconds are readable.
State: **5:45:59**
